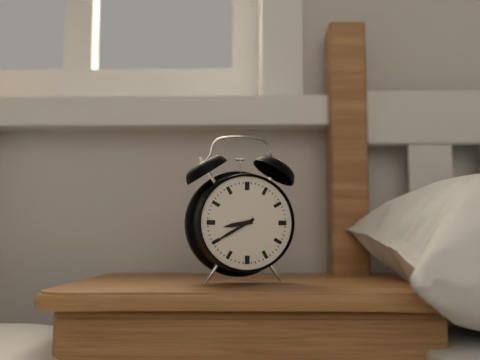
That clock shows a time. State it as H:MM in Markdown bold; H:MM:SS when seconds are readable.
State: **8:40**
